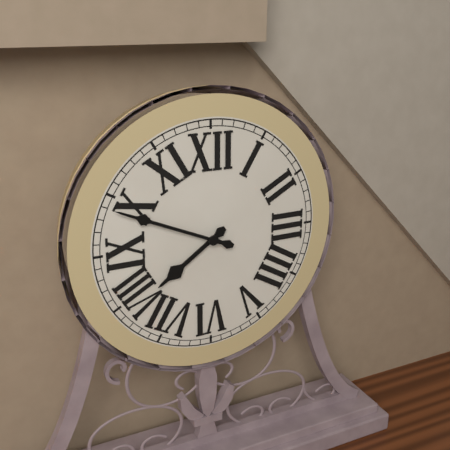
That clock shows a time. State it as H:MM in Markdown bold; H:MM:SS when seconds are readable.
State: **7:49**
